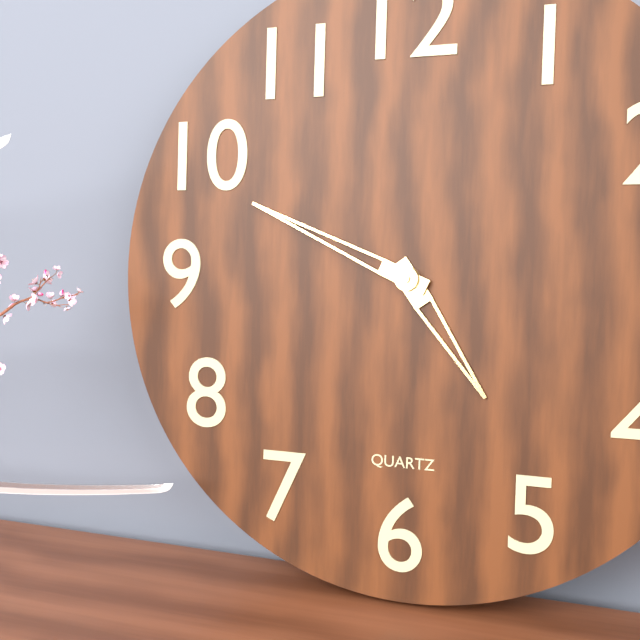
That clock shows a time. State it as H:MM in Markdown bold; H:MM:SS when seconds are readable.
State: **4:49**
